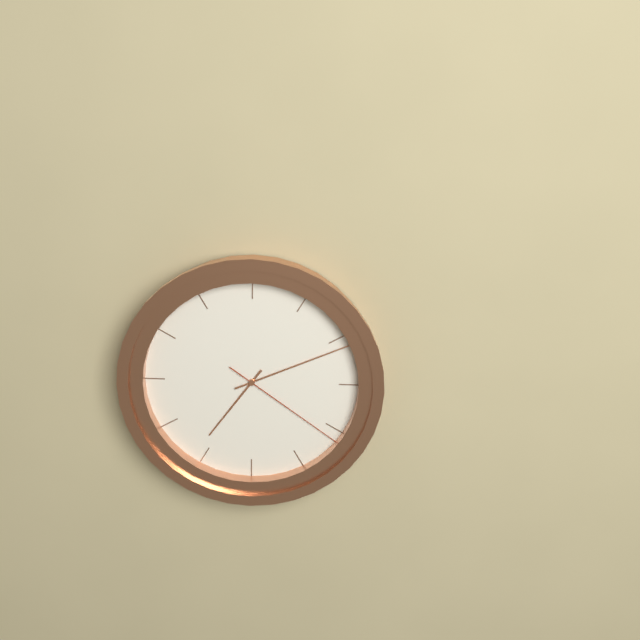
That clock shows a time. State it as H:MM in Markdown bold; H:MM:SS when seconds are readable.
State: **7:11:21**
